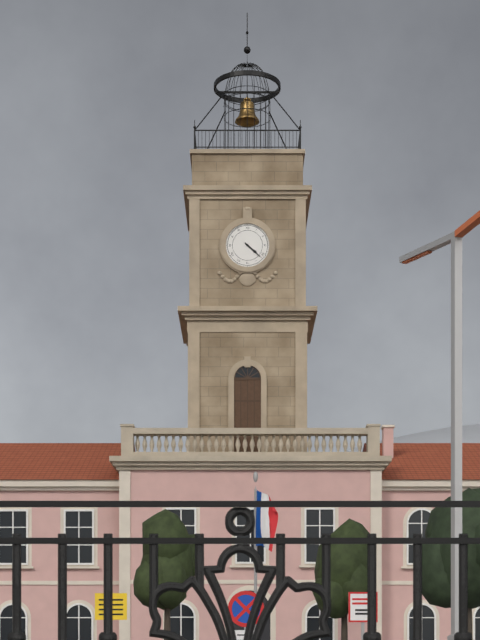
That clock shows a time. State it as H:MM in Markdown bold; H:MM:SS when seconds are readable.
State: **4:22**
